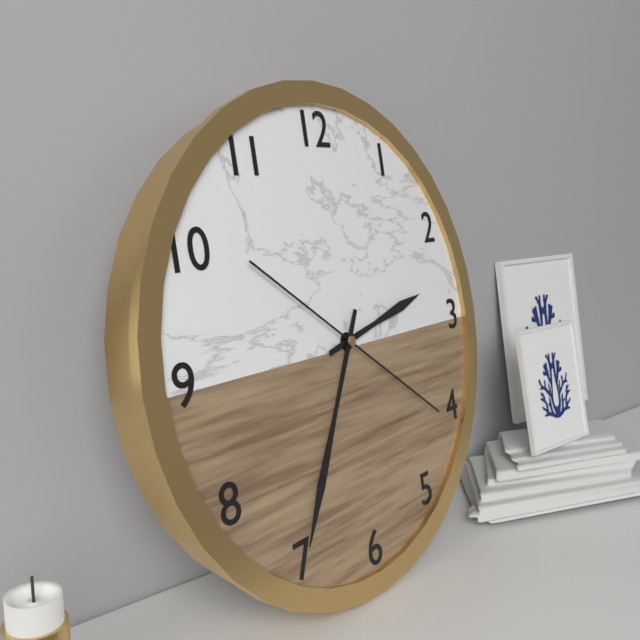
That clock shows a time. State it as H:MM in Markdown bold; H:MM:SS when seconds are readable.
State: **2:35:21**
